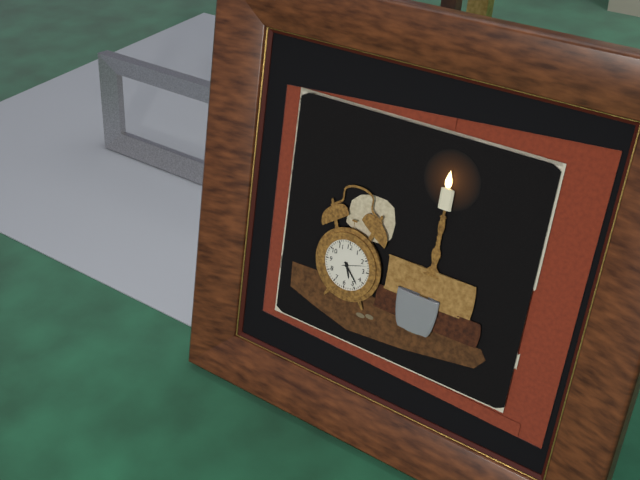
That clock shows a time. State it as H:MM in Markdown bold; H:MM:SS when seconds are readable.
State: **5:23**
